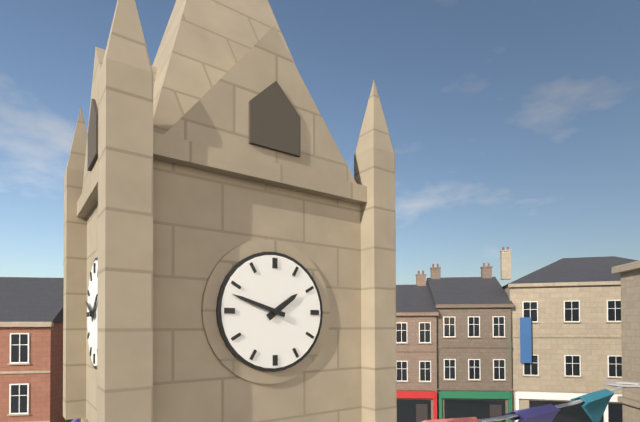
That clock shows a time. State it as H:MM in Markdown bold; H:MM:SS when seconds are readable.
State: **1:48**
